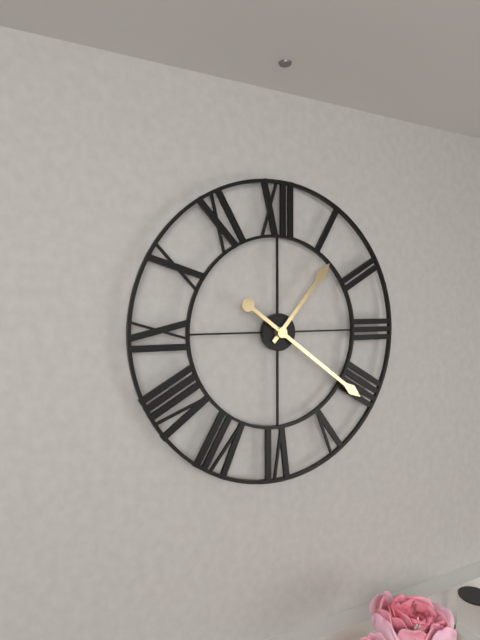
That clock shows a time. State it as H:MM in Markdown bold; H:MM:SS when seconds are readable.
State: **1:21**
